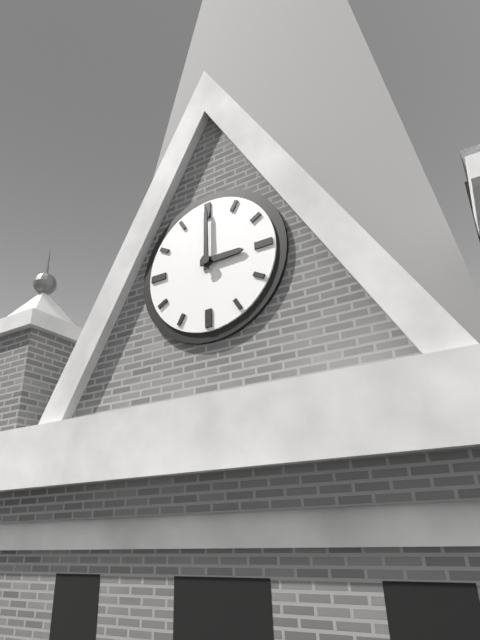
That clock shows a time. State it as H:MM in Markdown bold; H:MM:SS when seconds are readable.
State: **3:00**
